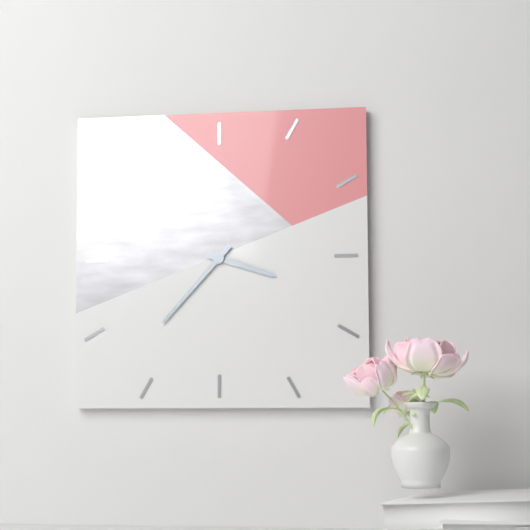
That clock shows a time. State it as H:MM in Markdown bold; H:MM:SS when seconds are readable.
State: **3:37**
